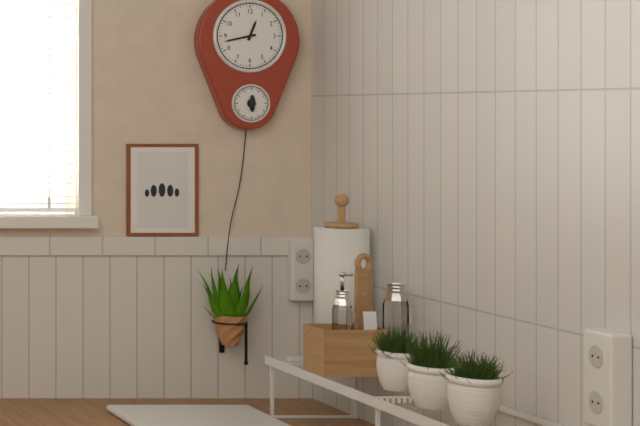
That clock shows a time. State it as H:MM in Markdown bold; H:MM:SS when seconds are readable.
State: **12:43**
